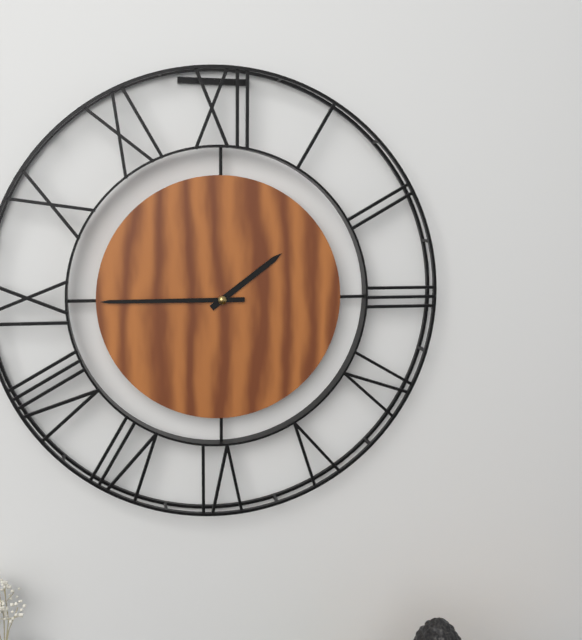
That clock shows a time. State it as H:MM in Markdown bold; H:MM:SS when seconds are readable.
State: **1:45**
